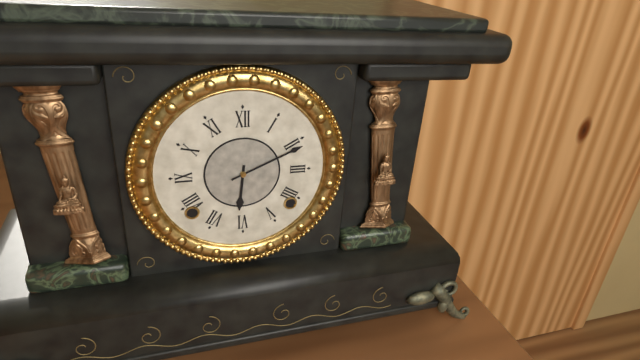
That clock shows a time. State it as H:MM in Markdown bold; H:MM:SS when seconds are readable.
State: **6:11**
